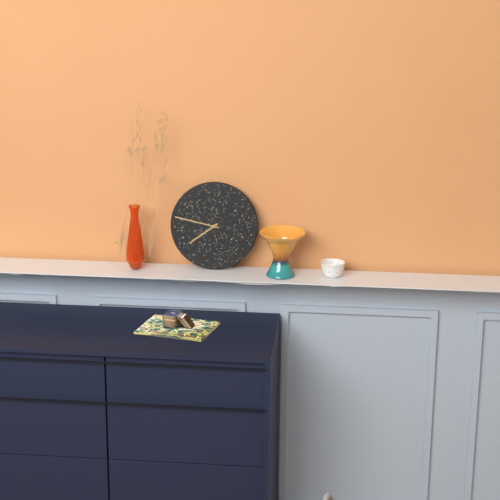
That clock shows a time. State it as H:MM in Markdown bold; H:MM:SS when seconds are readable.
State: **7:47**
